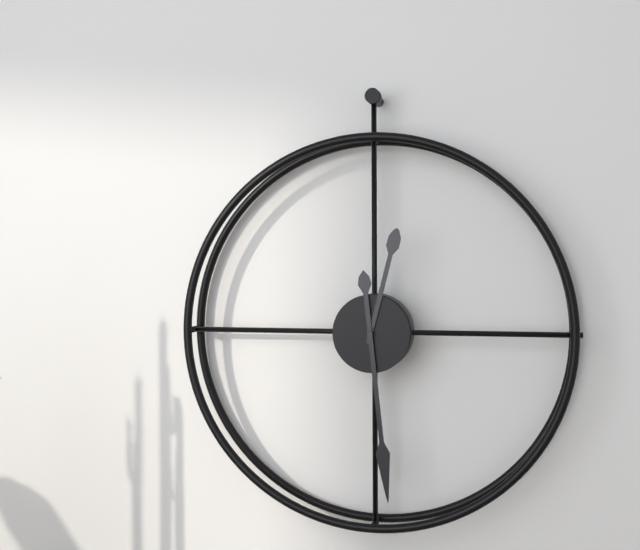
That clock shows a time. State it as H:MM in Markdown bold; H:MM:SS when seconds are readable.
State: **12:29**
